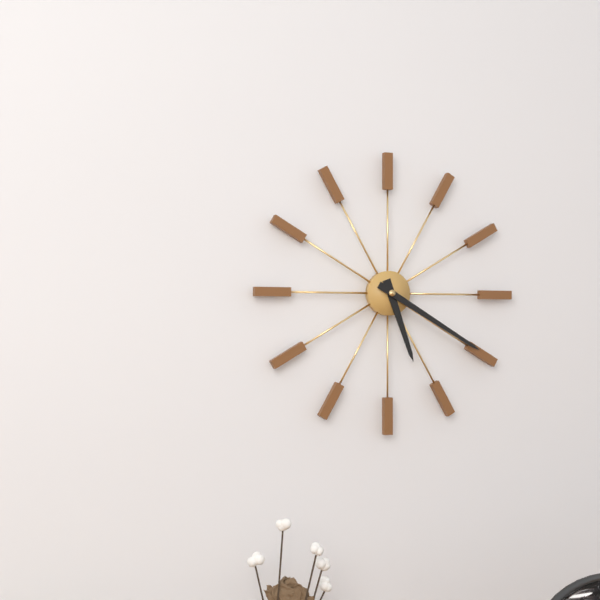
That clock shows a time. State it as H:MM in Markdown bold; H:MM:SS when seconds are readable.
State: **5:20**
